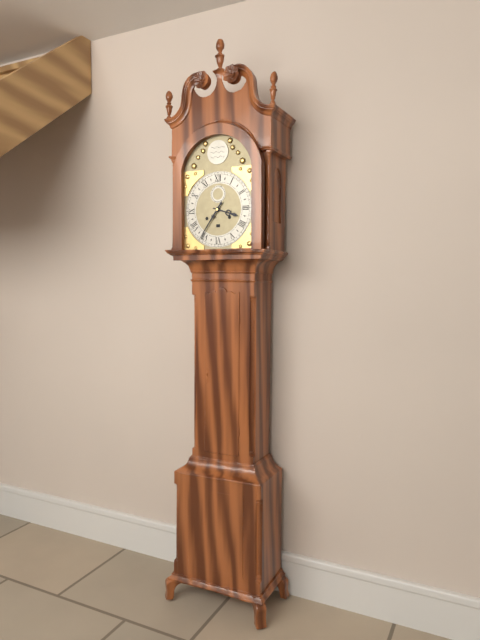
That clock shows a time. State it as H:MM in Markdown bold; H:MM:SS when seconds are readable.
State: **3:36**
